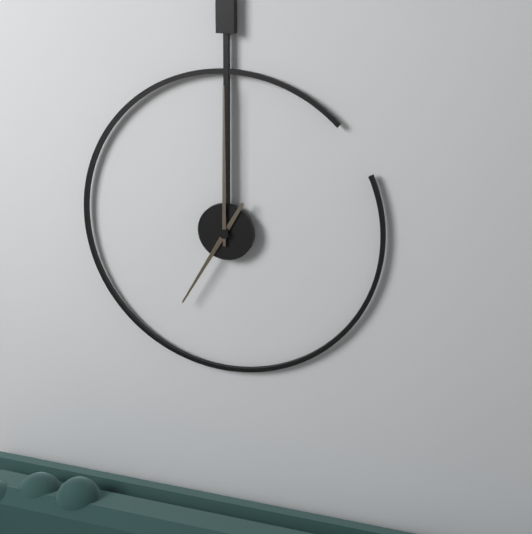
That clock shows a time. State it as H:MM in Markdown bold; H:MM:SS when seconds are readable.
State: **7:00**
